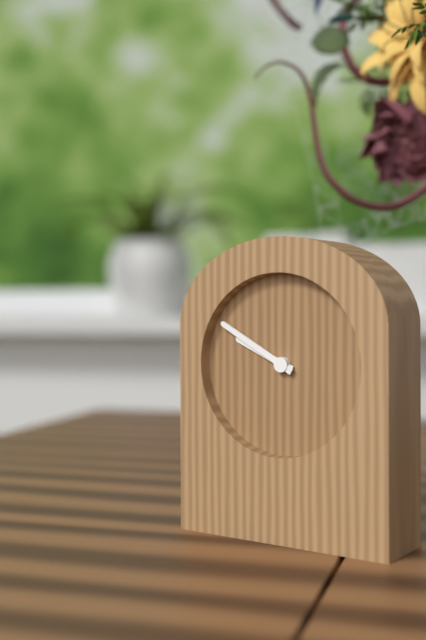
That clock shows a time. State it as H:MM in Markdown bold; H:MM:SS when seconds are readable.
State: **9:50**
